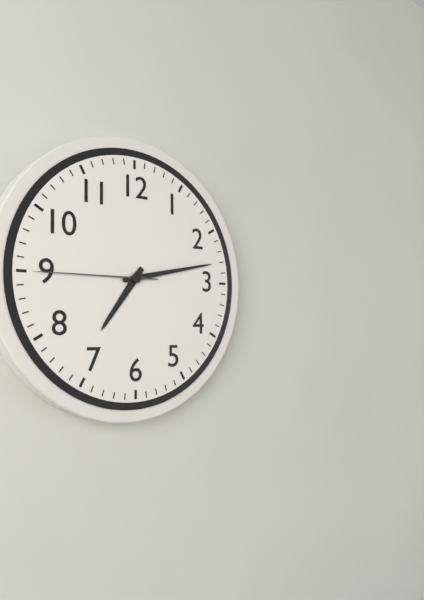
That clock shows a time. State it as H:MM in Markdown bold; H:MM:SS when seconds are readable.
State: **7:13:45**
